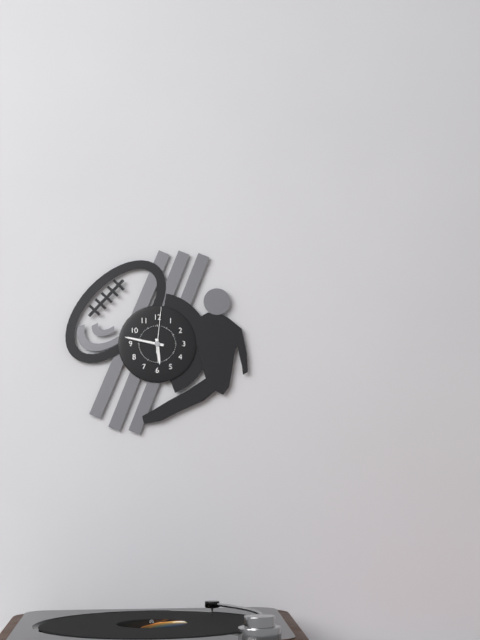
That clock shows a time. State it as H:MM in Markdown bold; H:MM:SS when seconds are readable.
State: **5:47**
